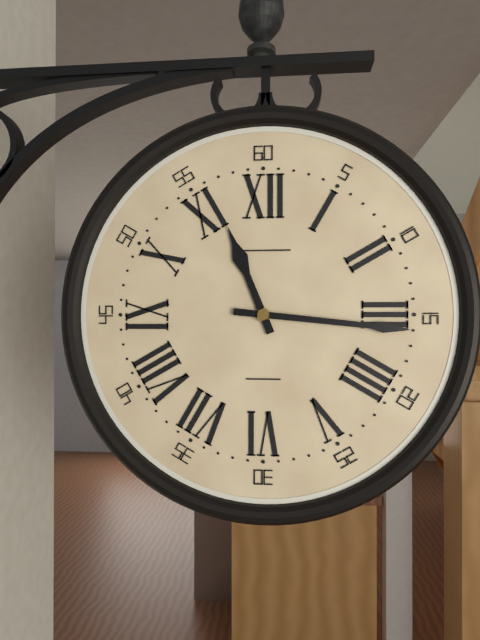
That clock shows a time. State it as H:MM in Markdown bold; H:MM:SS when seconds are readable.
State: **11:16**
